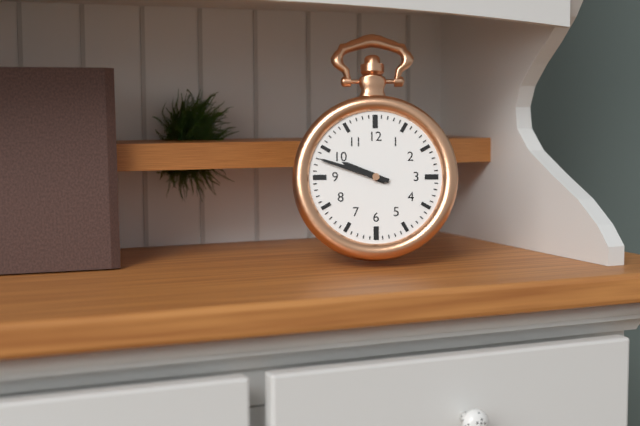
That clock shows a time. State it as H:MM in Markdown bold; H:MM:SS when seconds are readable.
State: **9:48**
